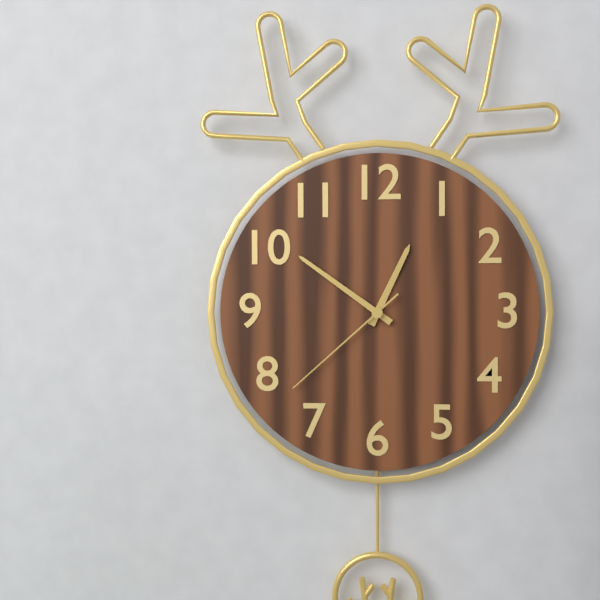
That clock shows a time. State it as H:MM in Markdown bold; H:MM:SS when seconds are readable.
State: **12:51:38**
